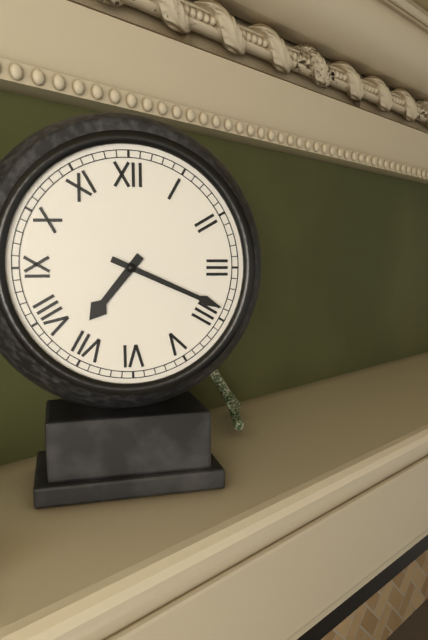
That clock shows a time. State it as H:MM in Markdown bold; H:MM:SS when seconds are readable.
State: **7:19**
